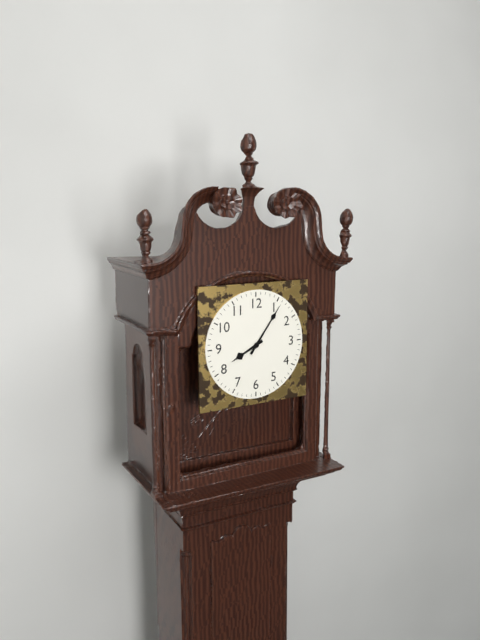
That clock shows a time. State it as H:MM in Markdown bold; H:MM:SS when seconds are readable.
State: **8:06**
